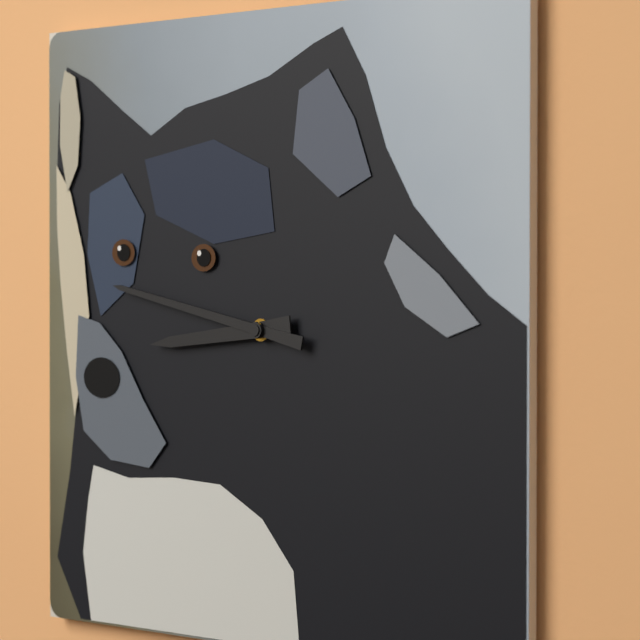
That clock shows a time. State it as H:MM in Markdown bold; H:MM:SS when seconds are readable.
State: **8:47**
